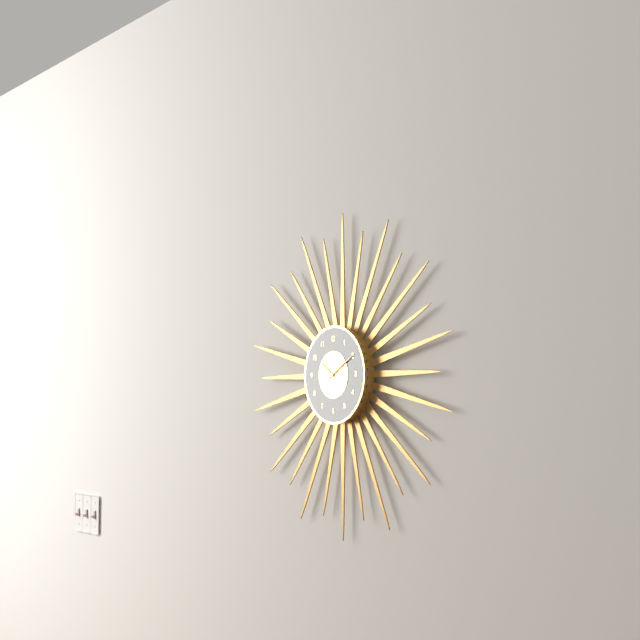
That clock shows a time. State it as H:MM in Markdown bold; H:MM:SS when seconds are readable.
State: **10:10**
